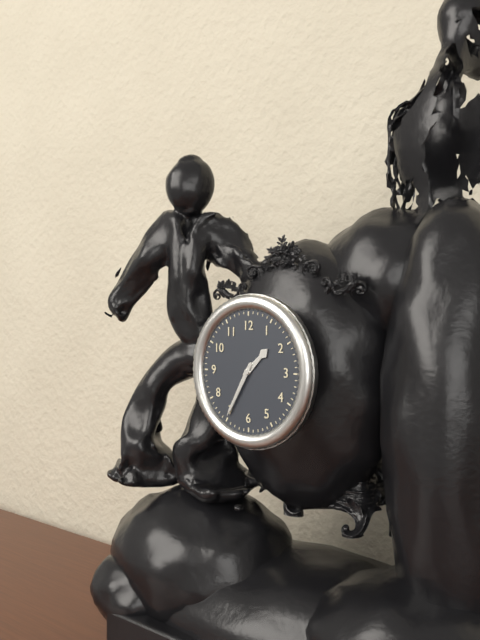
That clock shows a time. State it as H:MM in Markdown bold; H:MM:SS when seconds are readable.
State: **1:35**
